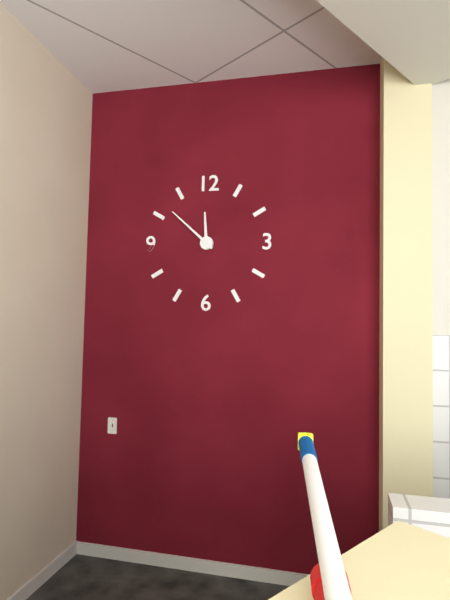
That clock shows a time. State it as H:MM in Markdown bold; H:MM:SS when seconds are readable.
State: **11:52**
